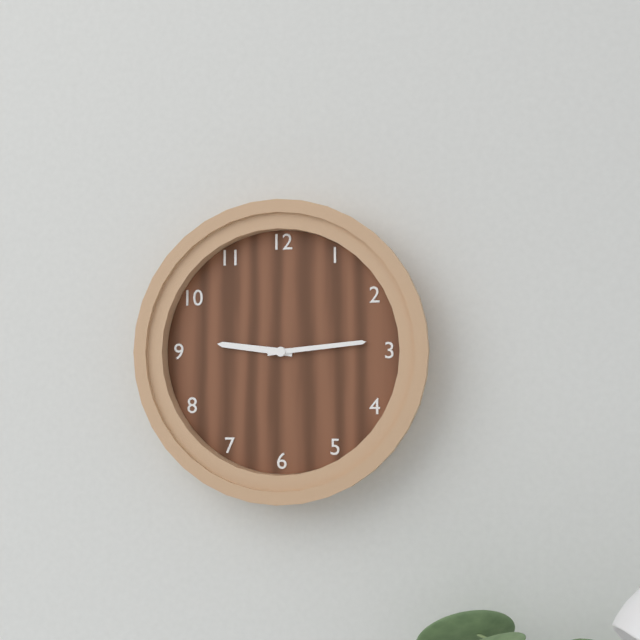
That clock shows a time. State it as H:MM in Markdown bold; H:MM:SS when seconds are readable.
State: **9:14**
